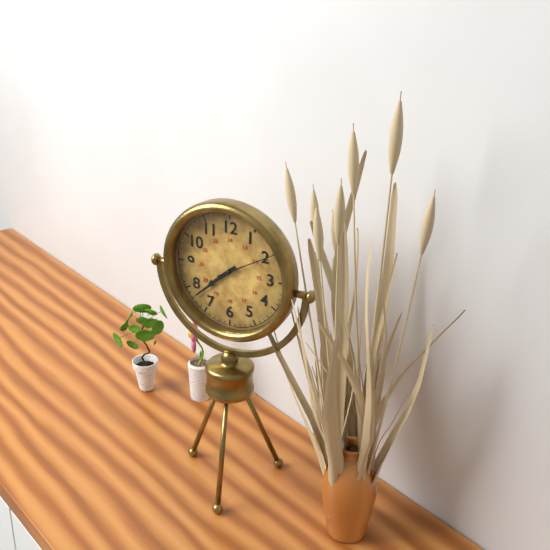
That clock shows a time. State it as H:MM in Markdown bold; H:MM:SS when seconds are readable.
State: **7:38:10**
